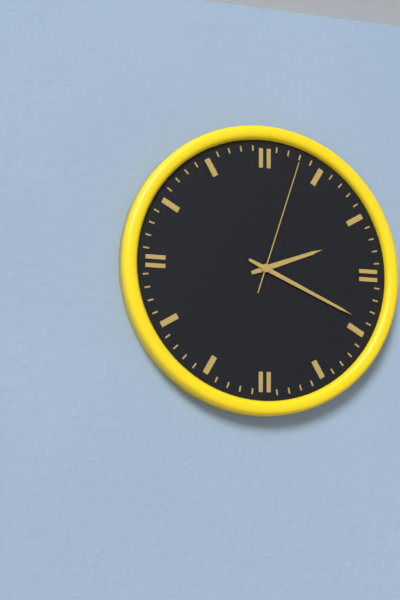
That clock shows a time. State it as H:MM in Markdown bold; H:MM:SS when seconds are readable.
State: **2:19:03**
